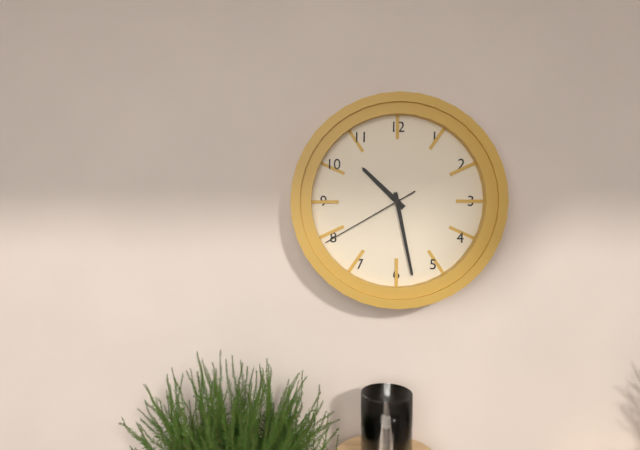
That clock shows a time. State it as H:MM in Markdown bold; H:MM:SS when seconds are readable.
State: **10:28:40**
